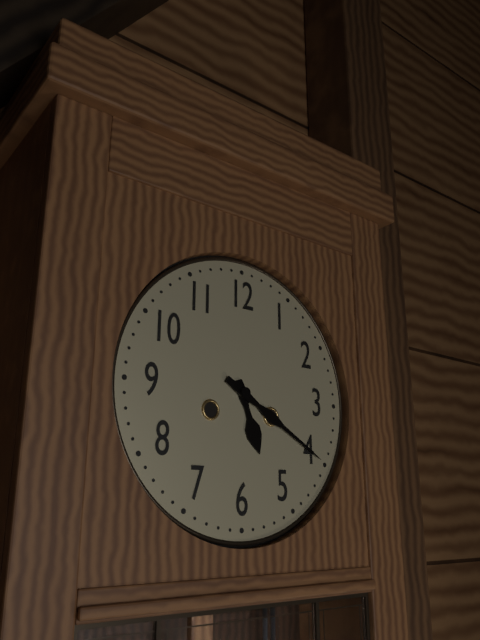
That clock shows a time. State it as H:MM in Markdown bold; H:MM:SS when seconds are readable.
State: **5:20**
